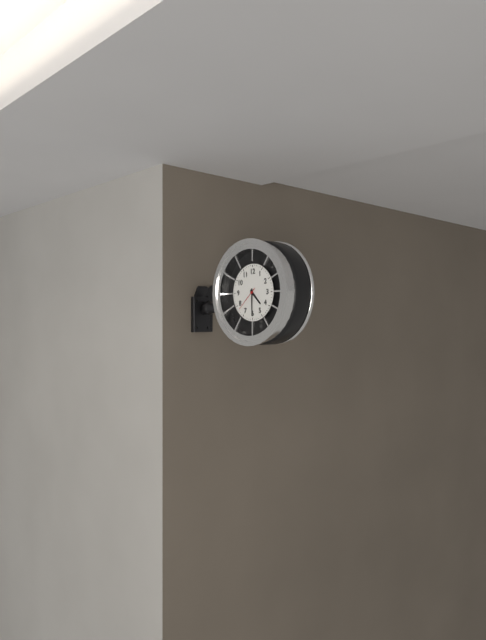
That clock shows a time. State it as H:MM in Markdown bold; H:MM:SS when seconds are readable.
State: **4:30**
